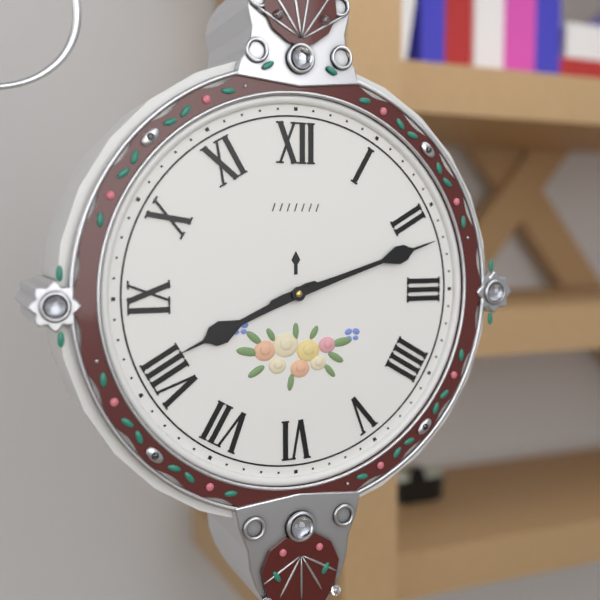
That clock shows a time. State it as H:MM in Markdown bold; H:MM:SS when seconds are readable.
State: **8:12**
